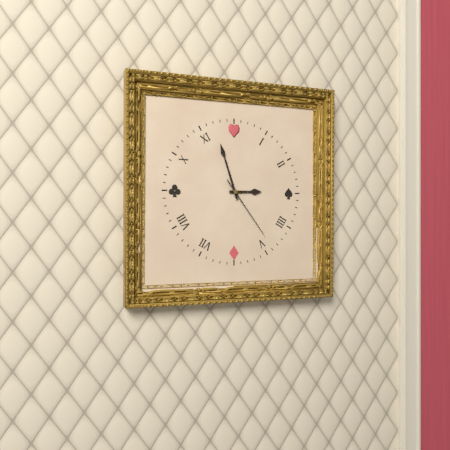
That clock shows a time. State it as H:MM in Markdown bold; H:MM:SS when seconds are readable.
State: **2:57:24**
